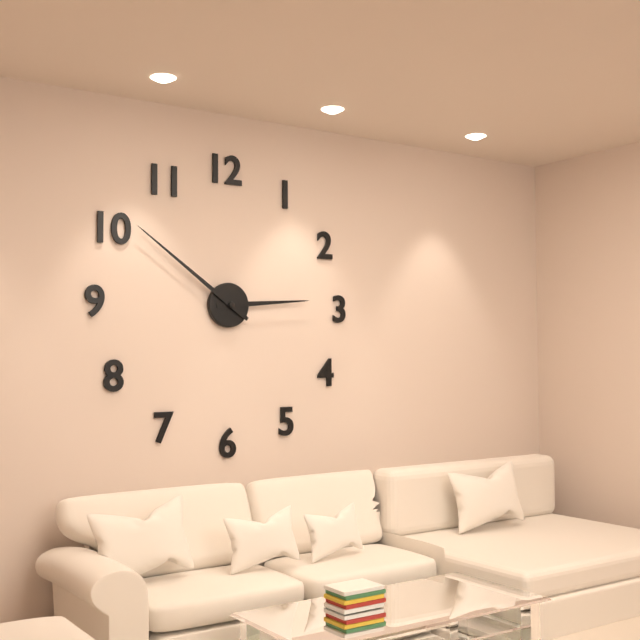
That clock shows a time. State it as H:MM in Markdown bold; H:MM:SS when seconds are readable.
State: **2:51**
